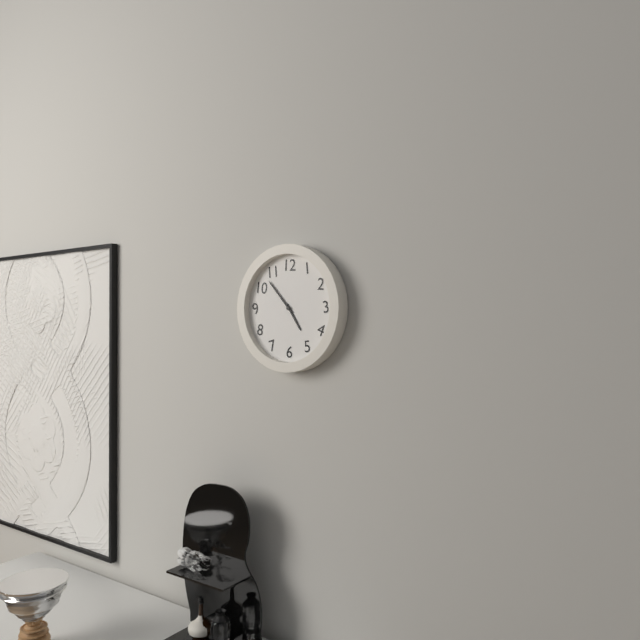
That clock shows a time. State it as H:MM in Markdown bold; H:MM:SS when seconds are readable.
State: **4:53**
